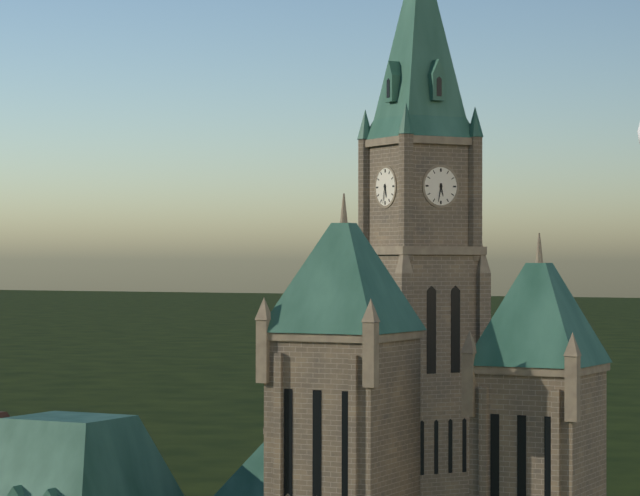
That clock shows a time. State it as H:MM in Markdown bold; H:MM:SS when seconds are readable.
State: **5:32**
